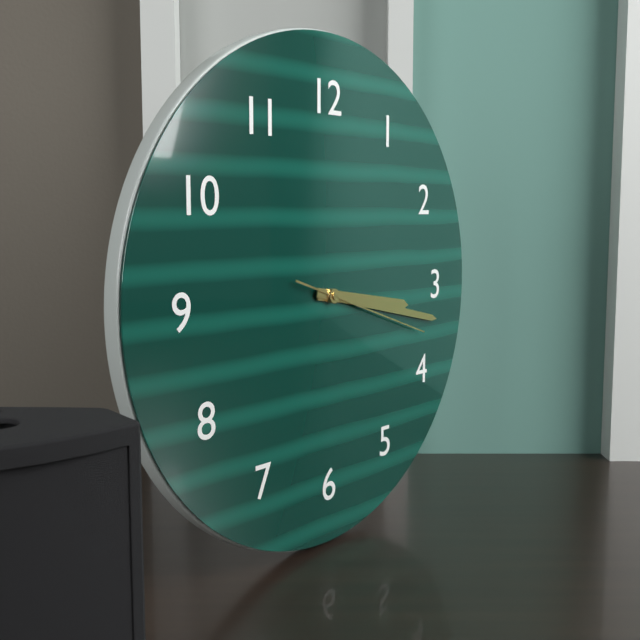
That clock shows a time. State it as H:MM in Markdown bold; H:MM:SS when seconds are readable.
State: **3:17:18**
